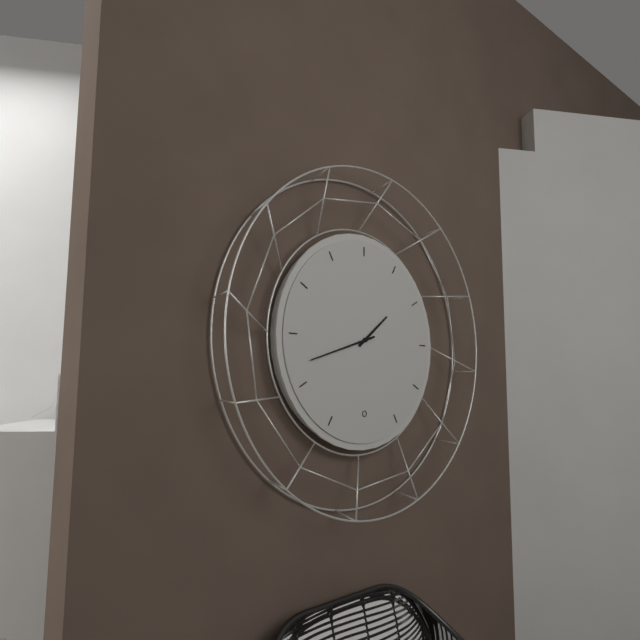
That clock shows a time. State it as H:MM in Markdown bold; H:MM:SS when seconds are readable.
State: **1:42**
